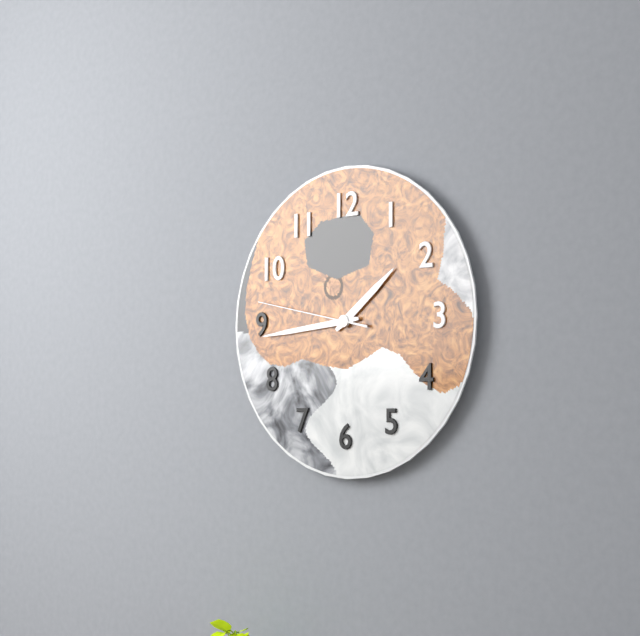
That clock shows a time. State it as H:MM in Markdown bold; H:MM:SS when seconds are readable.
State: **1:44:47**
